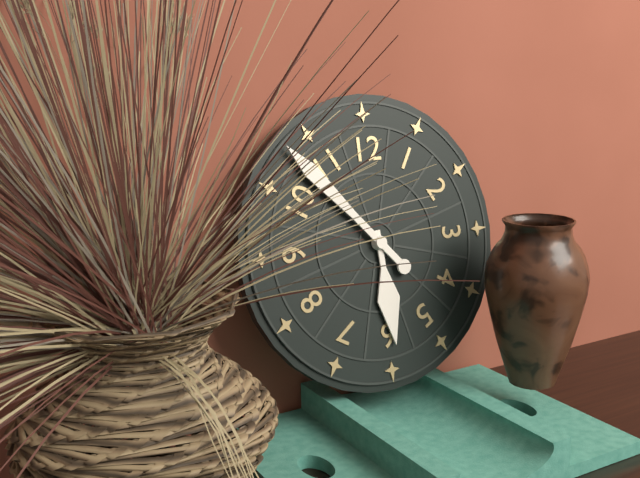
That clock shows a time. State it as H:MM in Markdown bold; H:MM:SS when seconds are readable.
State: **5:53**
